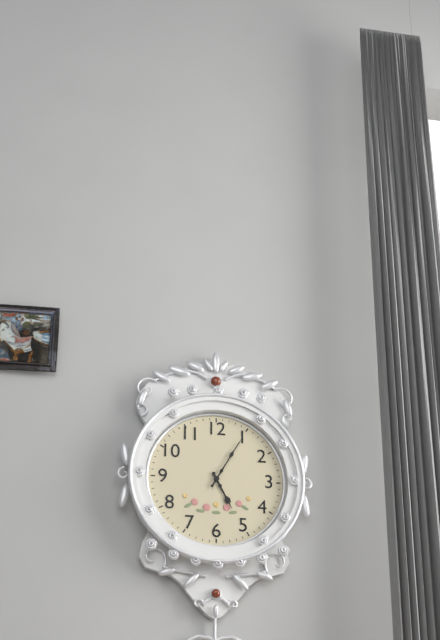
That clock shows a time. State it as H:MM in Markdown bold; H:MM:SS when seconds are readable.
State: **5:05**
